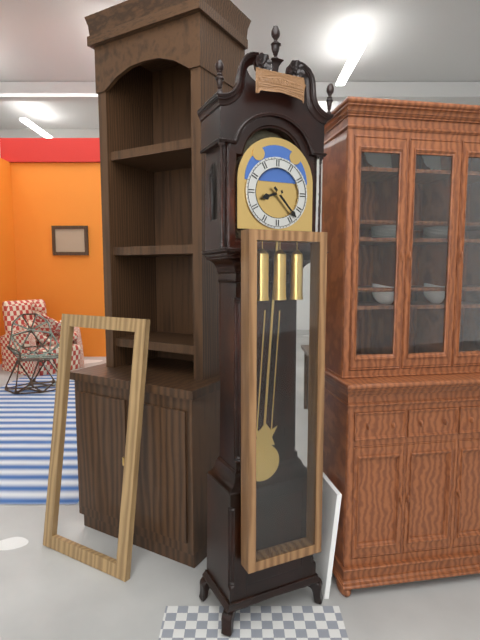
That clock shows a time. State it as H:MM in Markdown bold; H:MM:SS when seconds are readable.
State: **8:23**
